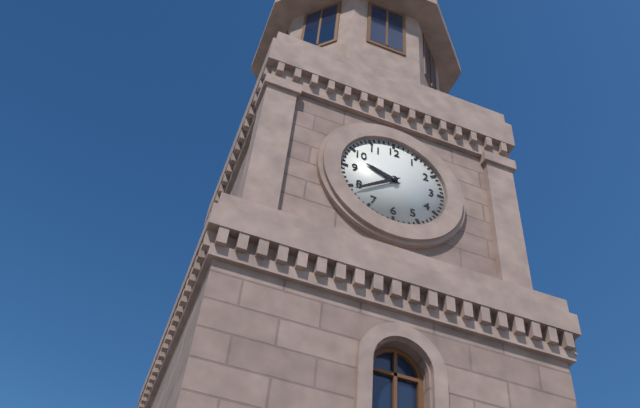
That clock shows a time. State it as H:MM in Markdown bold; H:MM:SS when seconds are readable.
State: **9:39**
